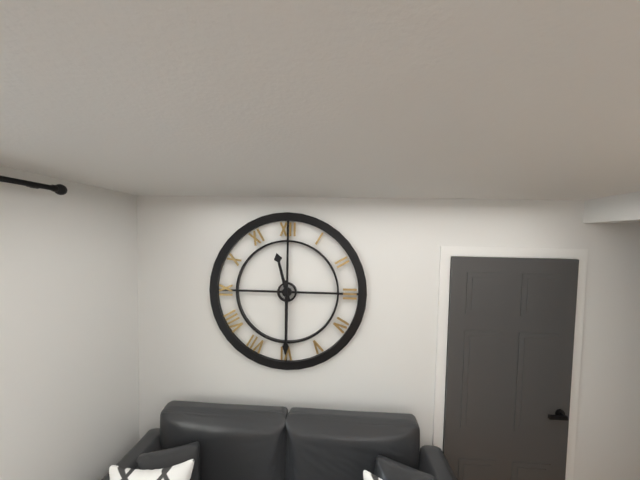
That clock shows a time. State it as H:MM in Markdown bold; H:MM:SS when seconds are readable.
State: **11:30**
